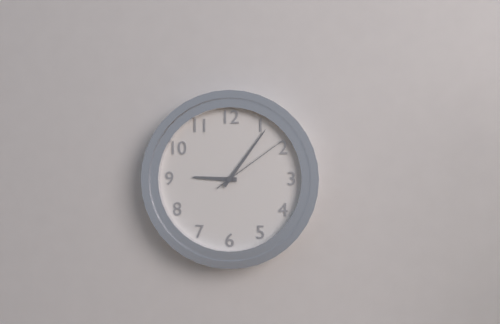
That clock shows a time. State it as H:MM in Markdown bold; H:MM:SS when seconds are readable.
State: **9:06:09**
